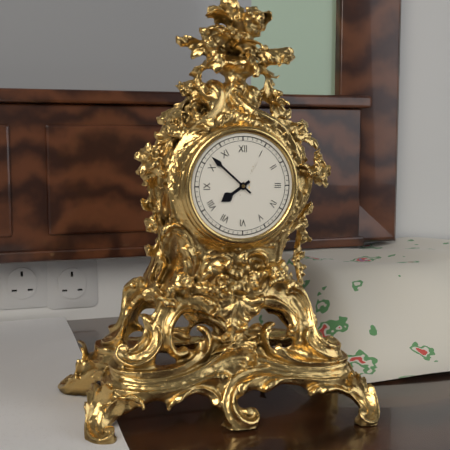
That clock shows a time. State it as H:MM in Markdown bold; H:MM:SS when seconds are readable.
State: **7:52**
